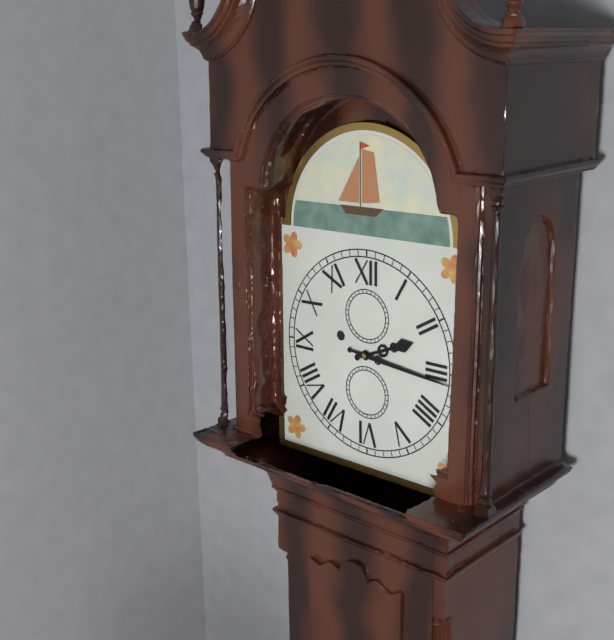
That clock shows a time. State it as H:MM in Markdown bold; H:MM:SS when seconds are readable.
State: **2:16**
